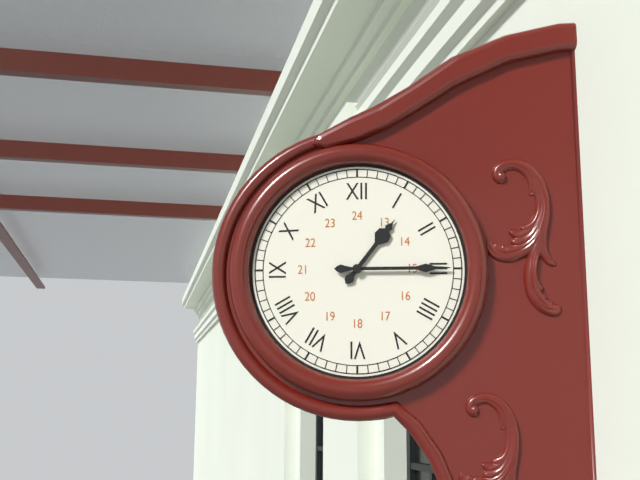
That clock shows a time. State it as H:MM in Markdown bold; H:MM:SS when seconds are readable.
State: **1:15**
